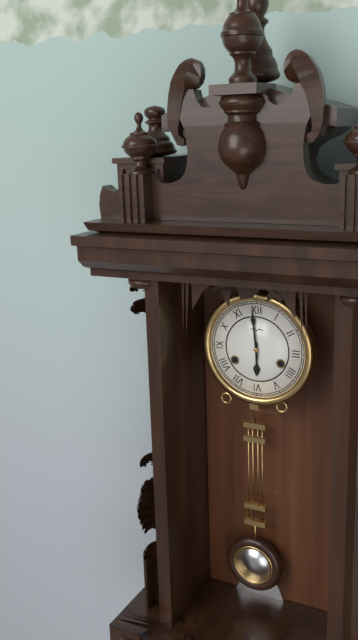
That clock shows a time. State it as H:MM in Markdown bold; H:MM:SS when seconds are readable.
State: **5:59**
